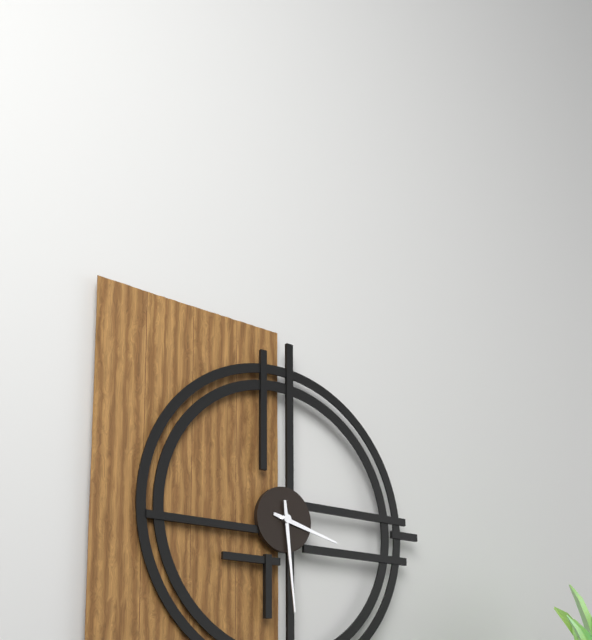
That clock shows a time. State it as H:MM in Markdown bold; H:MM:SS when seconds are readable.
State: **3:29**
